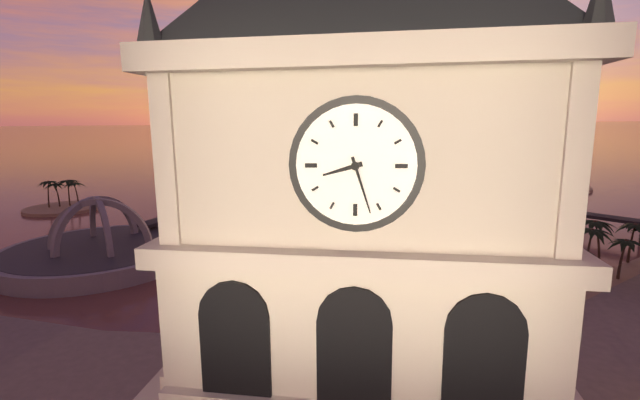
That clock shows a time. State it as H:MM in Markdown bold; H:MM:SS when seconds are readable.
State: **8:27**
